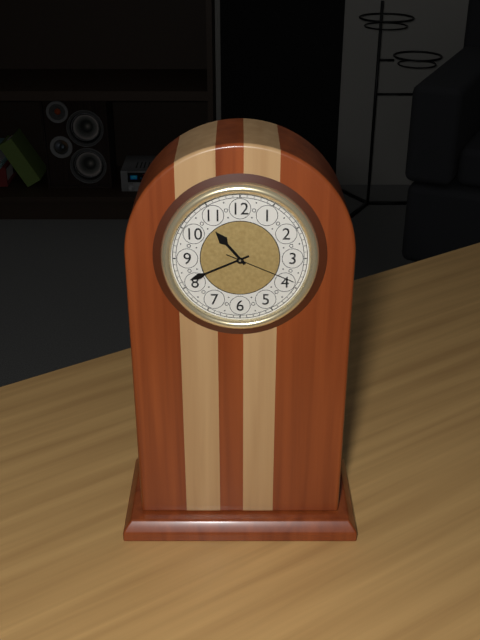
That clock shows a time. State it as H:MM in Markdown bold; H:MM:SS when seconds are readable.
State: **10:41:19**
